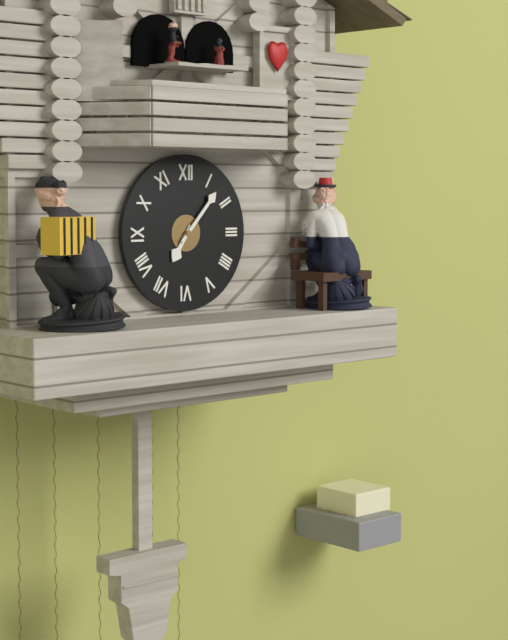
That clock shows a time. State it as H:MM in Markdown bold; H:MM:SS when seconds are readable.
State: **7:07**
